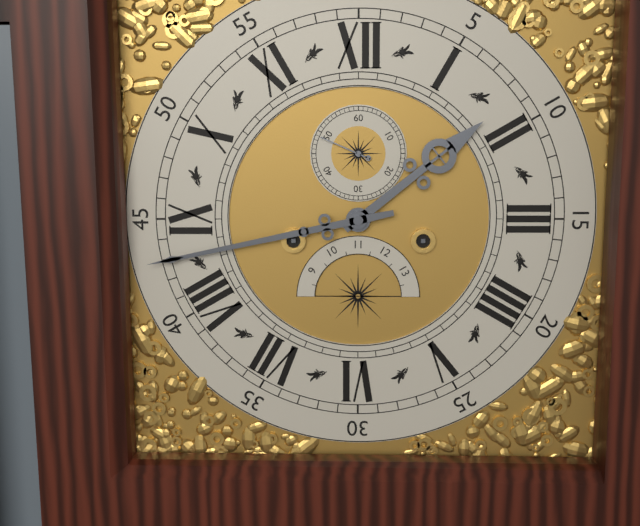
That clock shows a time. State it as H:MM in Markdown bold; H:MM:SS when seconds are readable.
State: **1:43:49**
